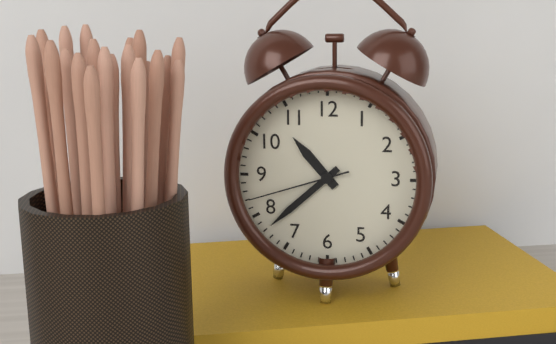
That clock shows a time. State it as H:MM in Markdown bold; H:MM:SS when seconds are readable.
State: **10:38:42**
